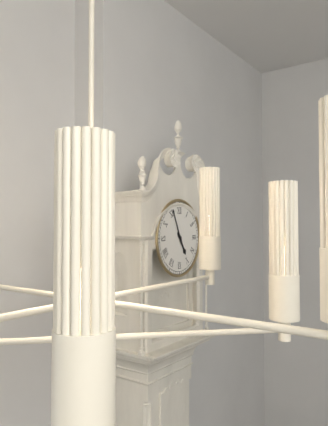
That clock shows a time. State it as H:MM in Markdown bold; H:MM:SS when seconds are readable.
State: **4:56**
